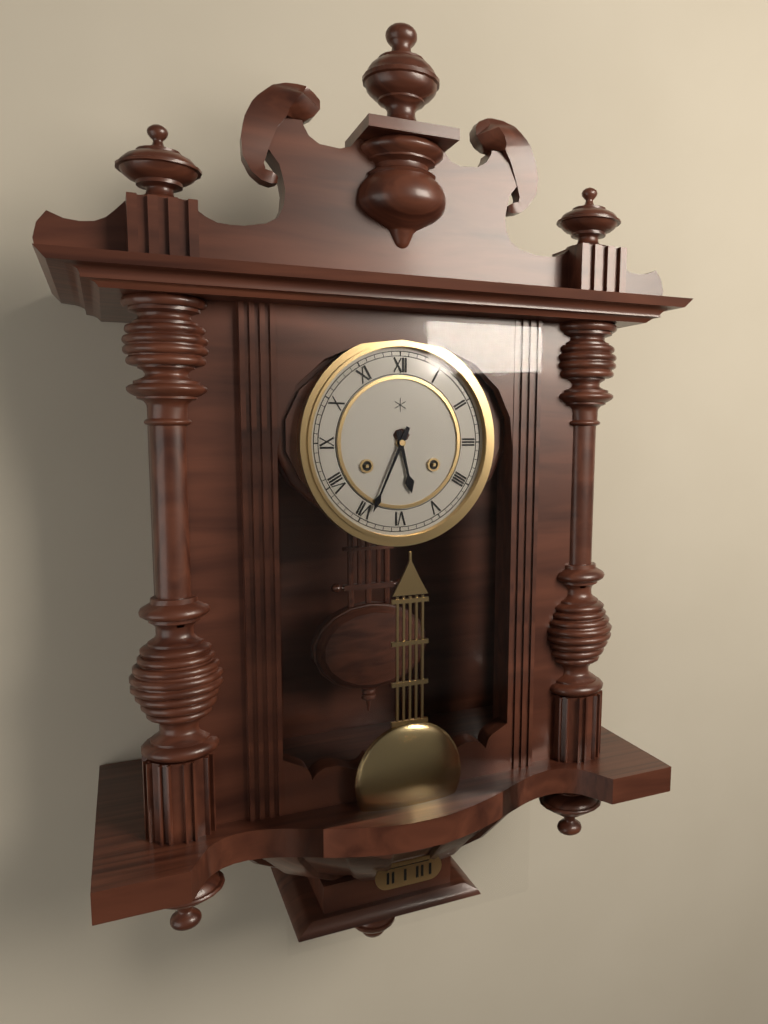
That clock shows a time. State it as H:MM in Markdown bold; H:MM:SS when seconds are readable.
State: **5:34**
